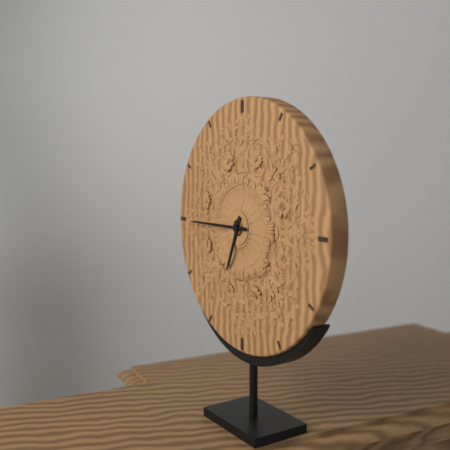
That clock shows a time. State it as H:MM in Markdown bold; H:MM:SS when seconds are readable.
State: **6:45**
